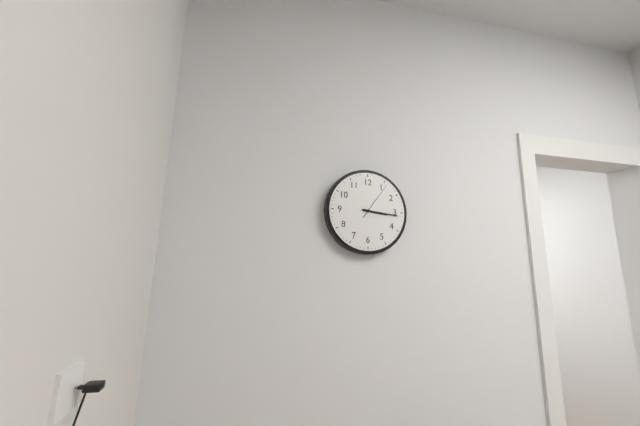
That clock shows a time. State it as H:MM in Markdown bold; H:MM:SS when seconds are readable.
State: **3:16**
